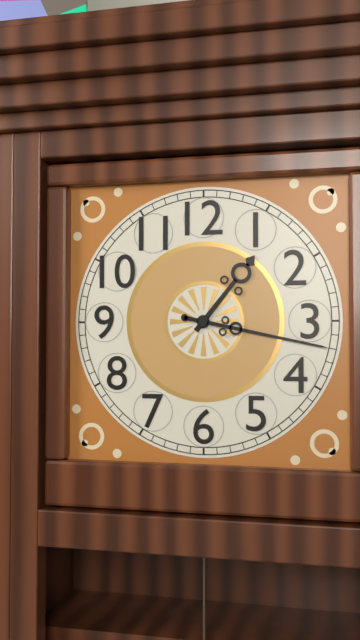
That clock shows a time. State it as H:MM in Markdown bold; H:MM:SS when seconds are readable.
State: **1:17**
